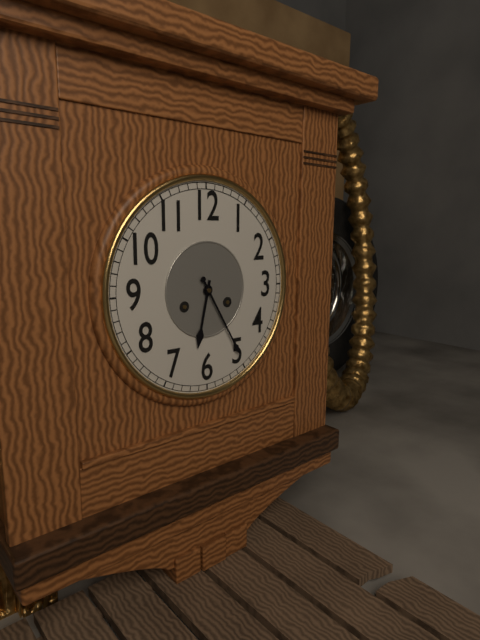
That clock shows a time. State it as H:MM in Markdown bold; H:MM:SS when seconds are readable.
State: **6:25**
